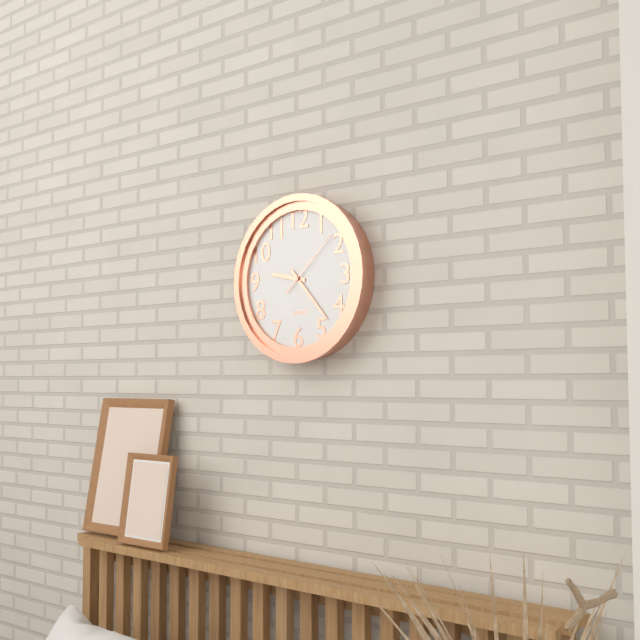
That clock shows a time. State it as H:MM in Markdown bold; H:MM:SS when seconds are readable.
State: **9:23:08**
